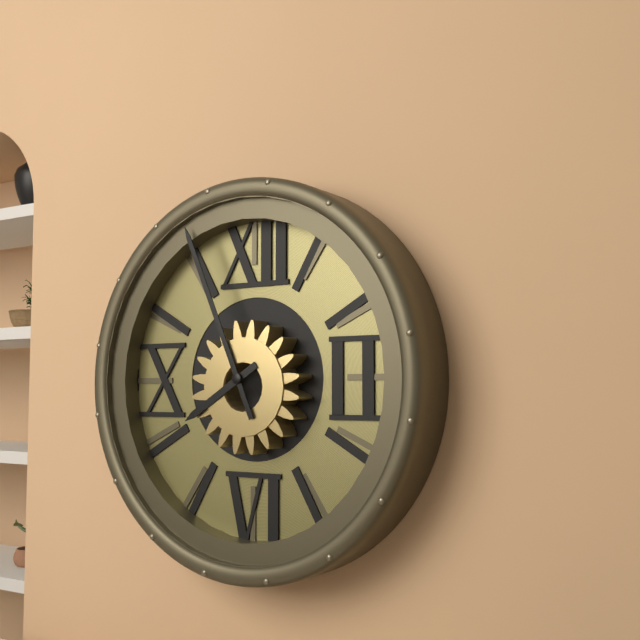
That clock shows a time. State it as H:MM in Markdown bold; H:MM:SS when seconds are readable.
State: **7:56**
